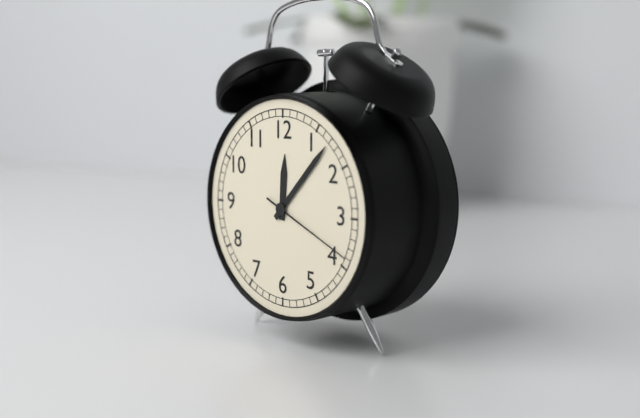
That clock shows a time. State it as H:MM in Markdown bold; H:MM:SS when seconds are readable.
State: **12:07:19**
